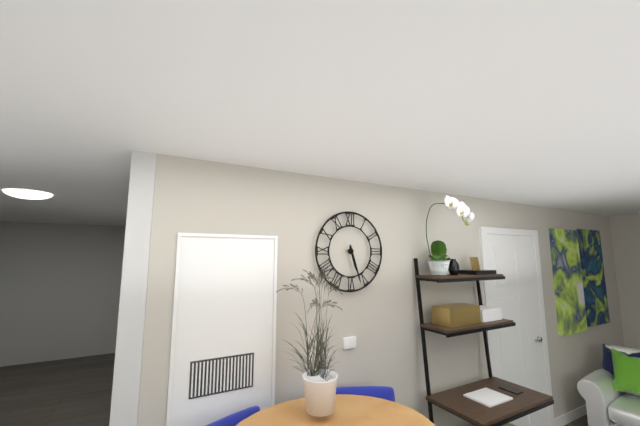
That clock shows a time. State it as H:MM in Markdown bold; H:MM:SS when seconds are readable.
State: **5:27**
